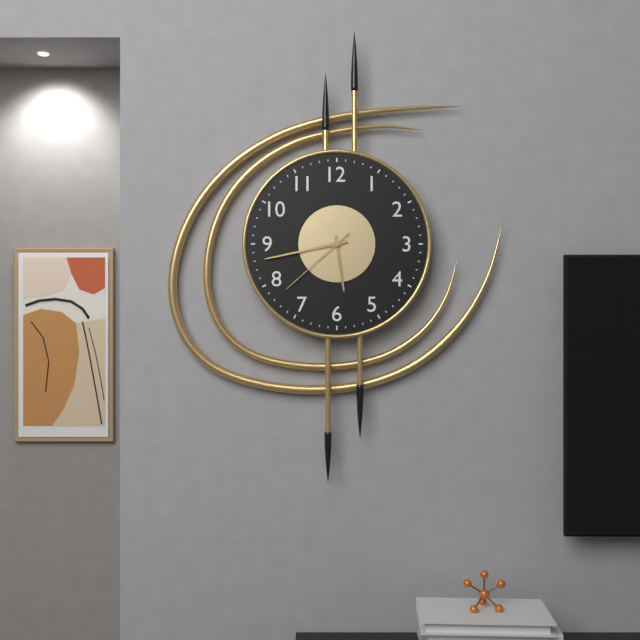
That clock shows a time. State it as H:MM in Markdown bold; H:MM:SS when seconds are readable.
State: **5:43:38**
